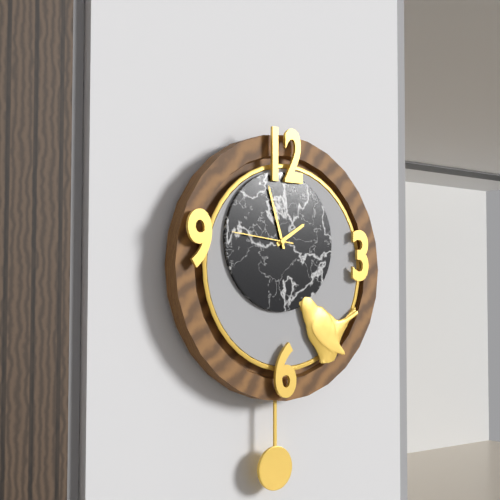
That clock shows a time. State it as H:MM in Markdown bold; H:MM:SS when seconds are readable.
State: **1:57:46**
